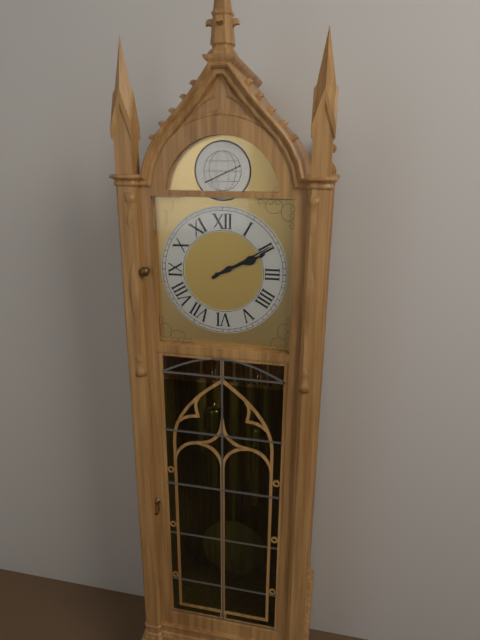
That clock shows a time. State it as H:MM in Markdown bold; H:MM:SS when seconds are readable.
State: **2:10**
